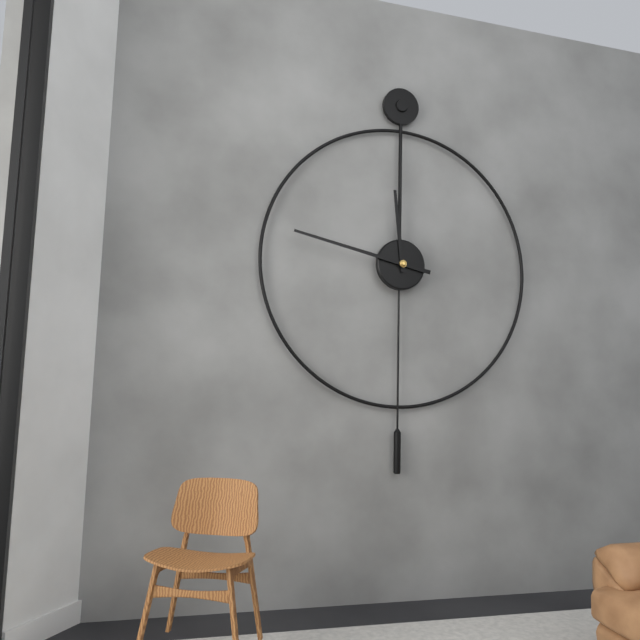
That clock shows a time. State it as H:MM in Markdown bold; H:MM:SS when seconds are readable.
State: **11:47**
